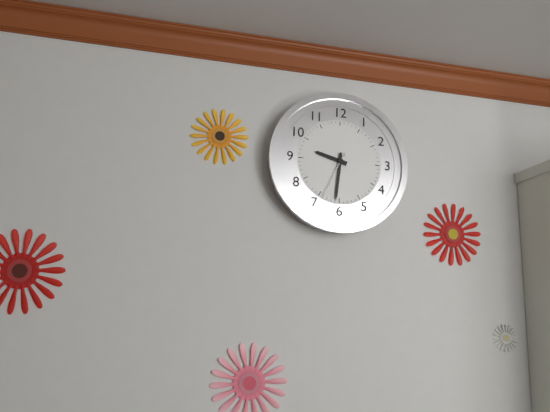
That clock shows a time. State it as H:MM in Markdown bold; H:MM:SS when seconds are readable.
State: **9:31**
